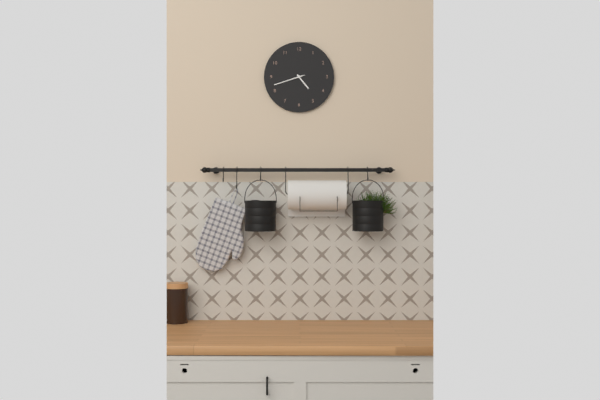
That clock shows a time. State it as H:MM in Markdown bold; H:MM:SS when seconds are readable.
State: **4:42**
